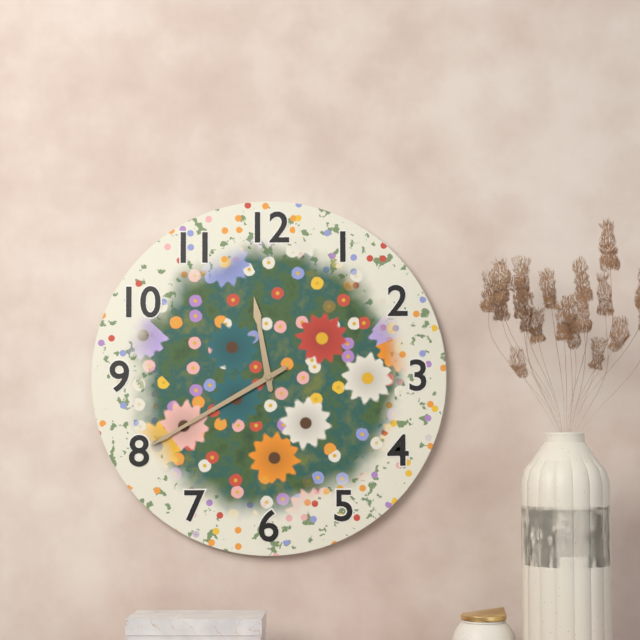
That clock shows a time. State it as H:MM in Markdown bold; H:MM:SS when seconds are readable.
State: **11:40**
